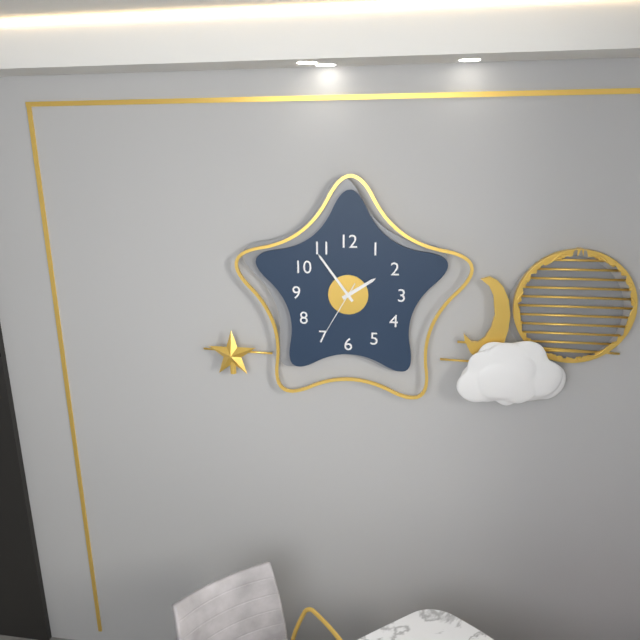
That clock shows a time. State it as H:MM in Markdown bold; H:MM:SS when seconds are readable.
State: **1:54:35**
